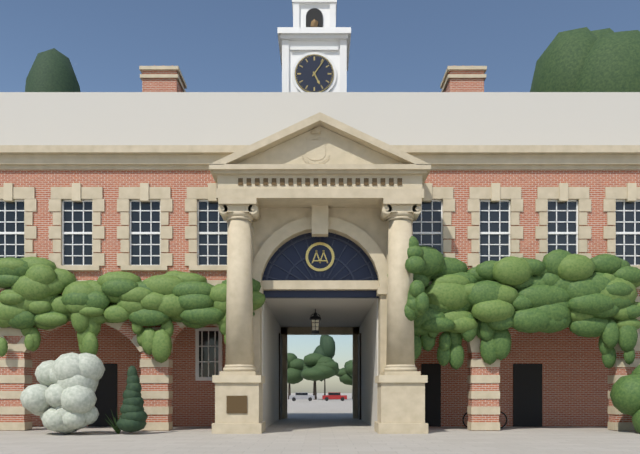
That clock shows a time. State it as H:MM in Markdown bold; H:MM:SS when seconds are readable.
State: **5:06**
